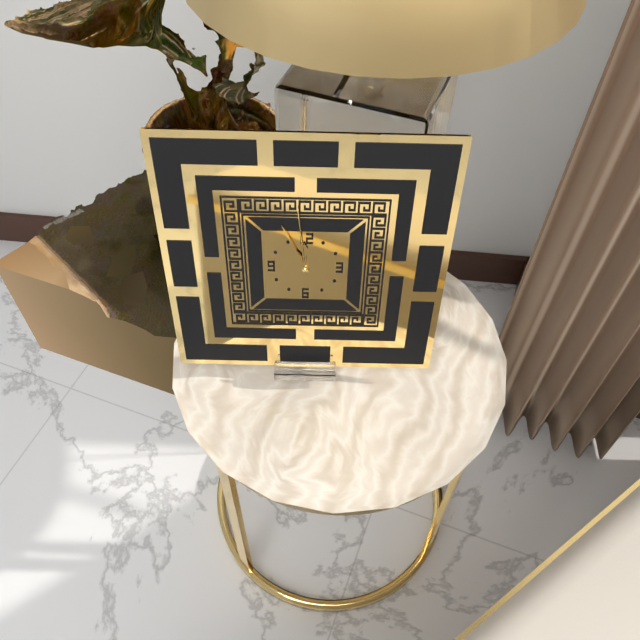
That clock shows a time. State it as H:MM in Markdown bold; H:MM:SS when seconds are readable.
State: **11:56:59**
